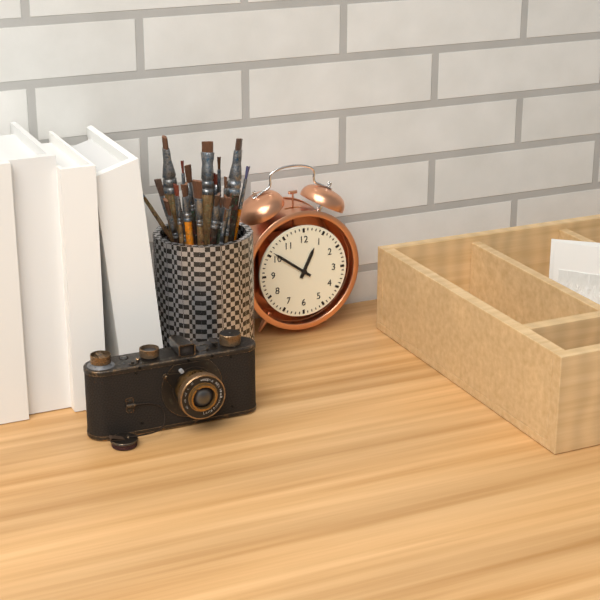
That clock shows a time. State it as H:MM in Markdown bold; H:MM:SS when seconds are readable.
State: **12:51**
